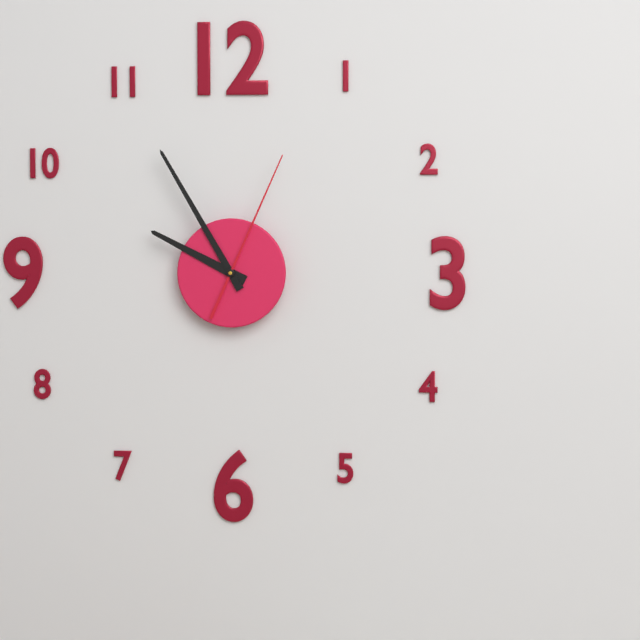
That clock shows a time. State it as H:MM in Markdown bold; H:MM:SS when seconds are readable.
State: **9:55:04**
